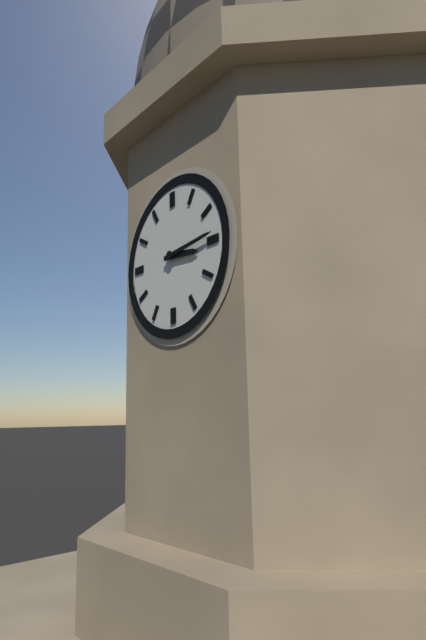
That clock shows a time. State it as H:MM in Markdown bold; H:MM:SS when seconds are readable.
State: **3:14**
